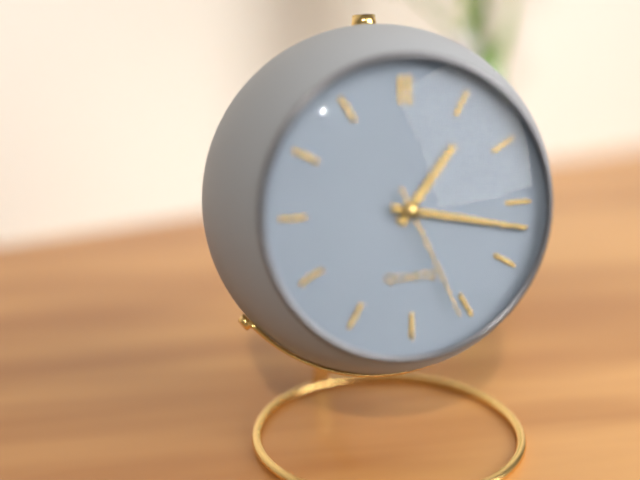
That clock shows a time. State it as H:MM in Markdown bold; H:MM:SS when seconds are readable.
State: **1:17:26**
